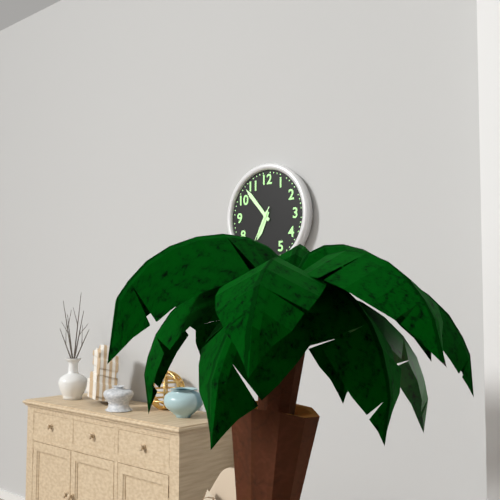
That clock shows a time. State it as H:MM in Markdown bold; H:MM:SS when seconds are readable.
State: **6:53**
